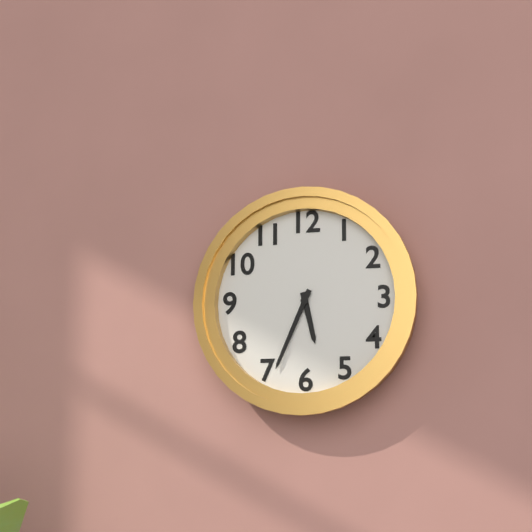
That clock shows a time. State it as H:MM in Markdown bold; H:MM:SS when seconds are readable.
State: **5:34**
